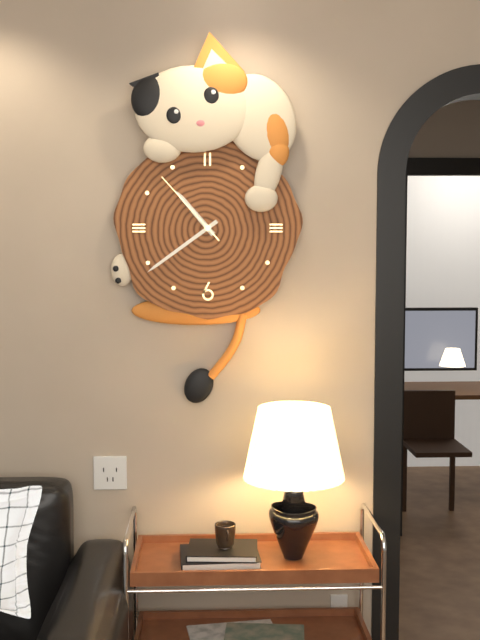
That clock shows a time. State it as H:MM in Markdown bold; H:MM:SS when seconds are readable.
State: **10:39:53**
